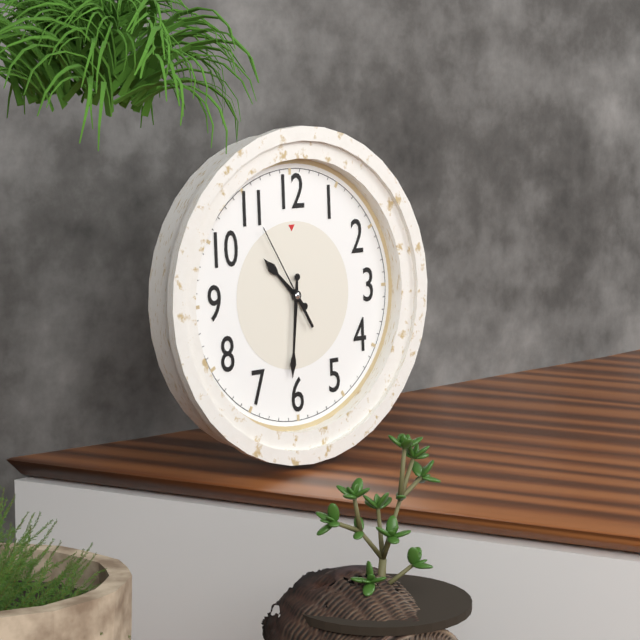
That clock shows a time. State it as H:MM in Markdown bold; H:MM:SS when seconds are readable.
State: **10:31:55**
